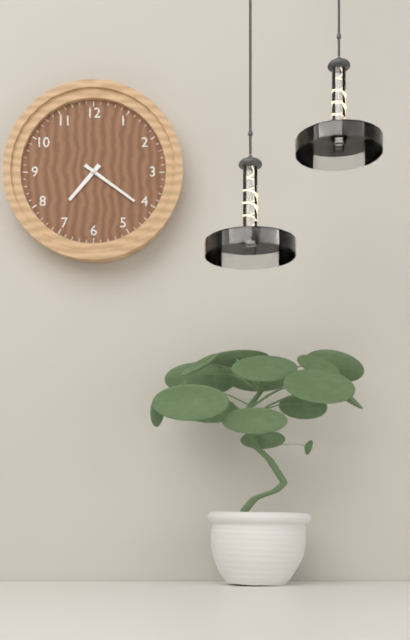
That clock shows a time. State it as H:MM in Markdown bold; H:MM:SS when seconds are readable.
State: **7:21**
